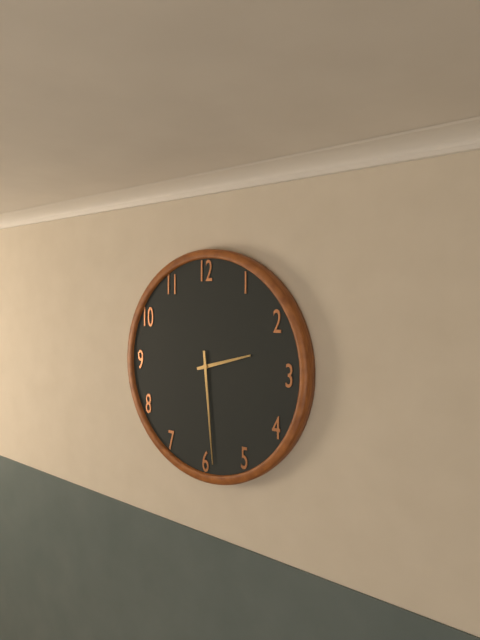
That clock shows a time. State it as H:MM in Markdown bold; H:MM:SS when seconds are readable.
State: **2:29**
